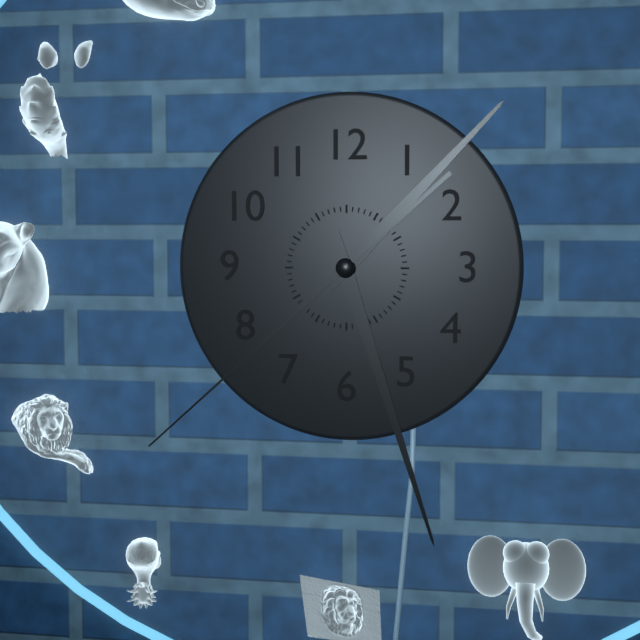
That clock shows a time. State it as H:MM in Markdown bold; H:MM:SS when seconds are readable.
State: **1:27:38**
